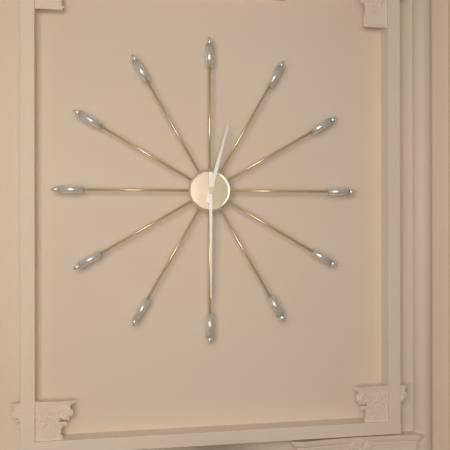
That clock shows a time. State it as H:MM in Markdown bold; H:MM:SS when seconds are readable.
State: **12:30**
